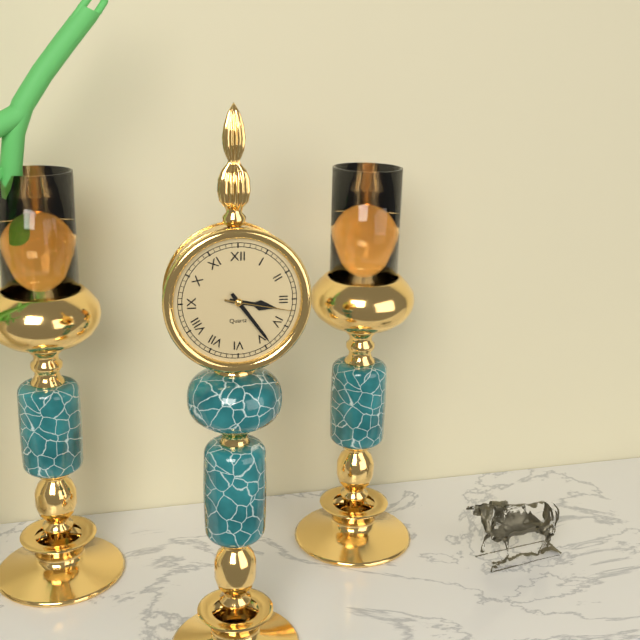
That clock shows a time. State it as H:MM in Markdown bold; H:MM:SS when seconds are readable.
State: **3:24:17**
